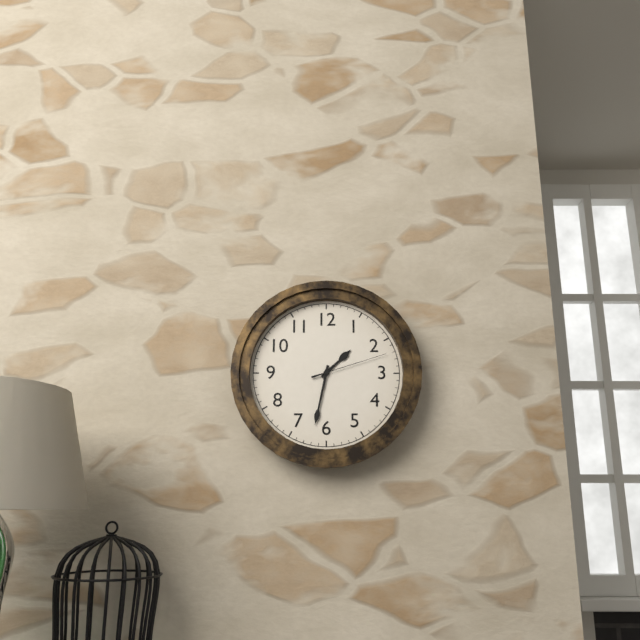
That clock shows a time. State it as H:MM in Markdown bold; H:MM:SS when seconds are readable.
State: **1:32:12**
